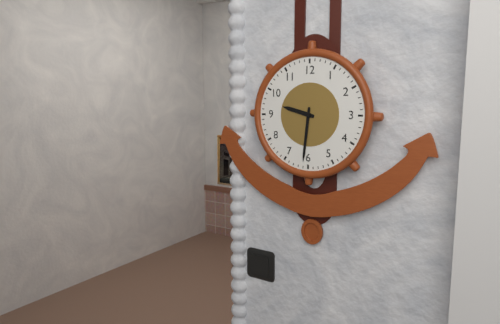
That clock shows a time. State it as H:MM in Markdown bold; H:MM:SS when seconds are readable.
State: **9:31**
